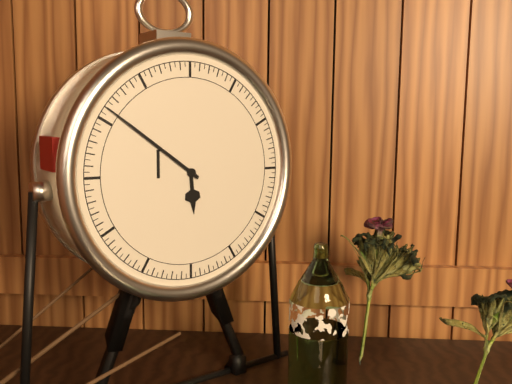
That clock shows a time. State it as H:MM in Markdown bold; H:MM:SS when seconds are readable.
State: **5:51**
